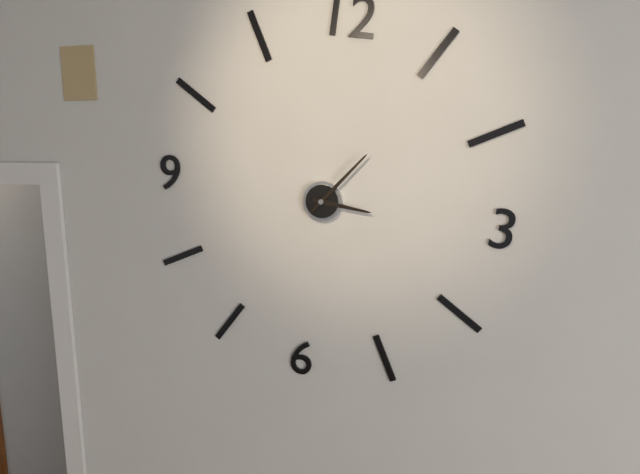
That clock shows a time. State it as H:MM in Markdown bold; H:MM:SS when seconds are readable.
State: **3:06**
